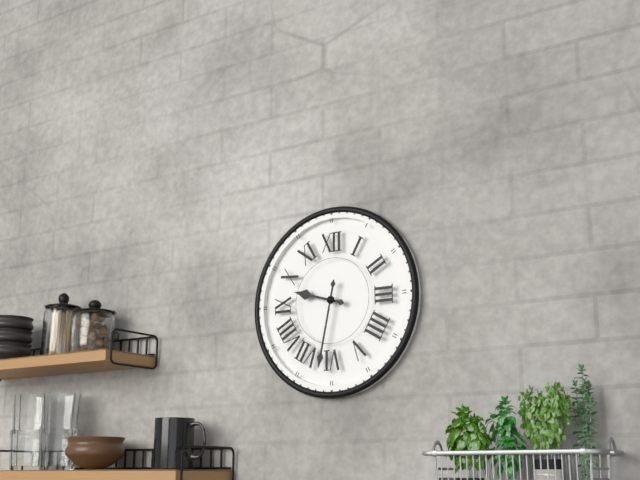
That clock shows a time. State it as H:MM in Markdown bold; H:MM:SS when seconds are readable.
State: **9:32**
